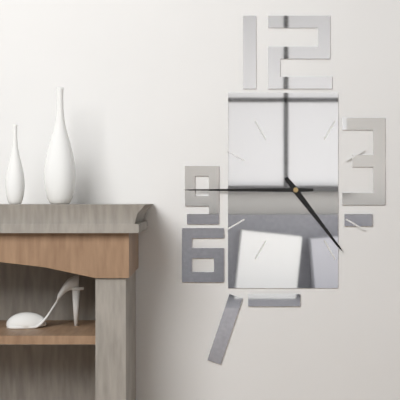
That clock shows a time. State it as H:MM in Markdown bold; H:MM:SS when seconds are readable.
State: **4:45**
